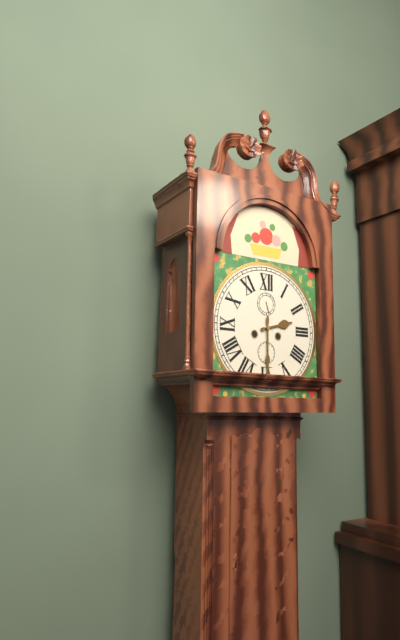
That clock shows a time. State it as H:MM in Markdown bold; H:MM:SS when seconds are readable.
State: **2:30**
